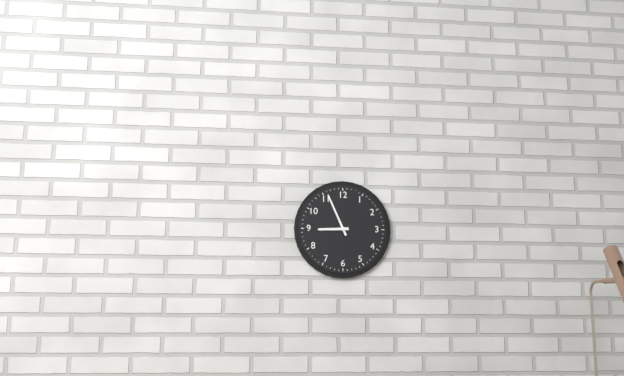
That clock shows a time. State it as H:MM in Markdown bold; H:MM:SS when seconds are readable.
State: **8:56**
